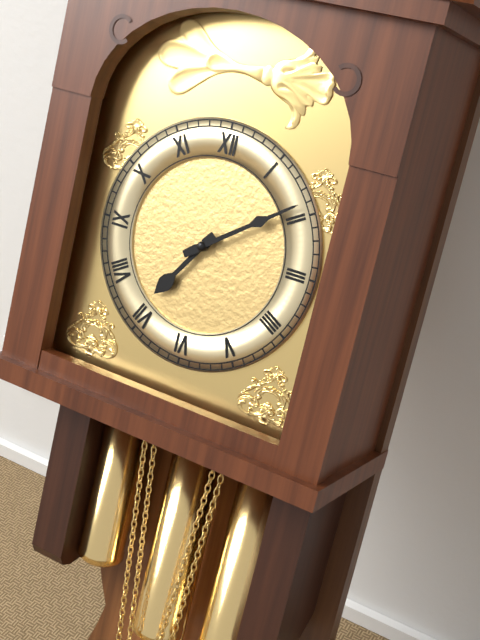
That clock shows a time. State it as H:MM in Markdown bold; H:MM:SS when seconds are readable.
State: **7:09**
